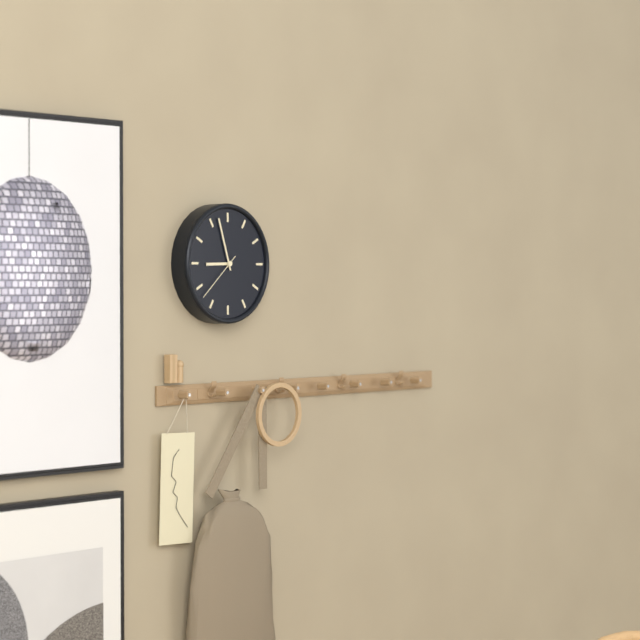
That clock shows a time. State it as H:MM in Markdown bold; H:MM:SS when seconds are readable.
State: **8:57:38**
